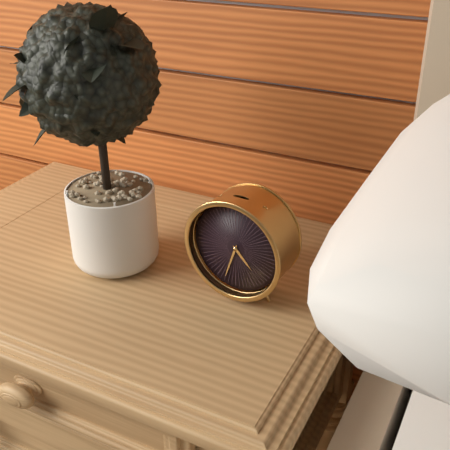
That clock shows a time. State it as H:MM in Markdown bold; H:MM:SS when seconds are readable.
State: **4:33**
